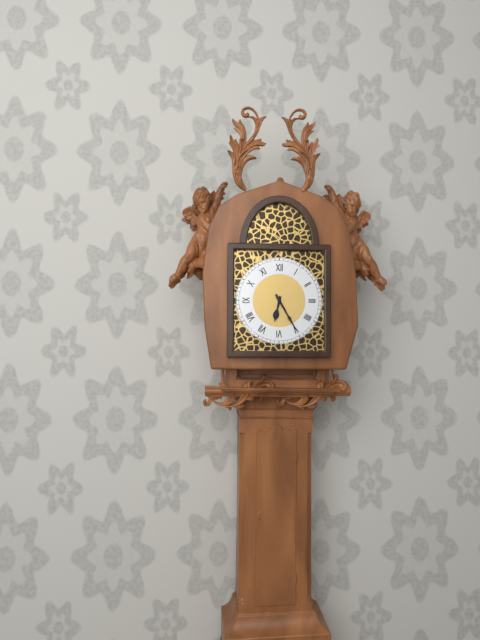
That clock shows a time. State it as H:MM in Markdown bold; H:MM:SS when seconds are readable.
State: **6:25**
